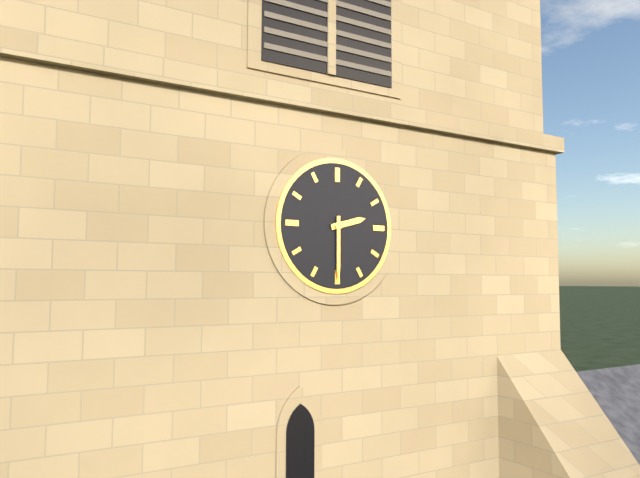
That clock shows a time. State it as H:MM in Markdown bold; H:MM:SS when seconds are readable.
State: **2:30**
